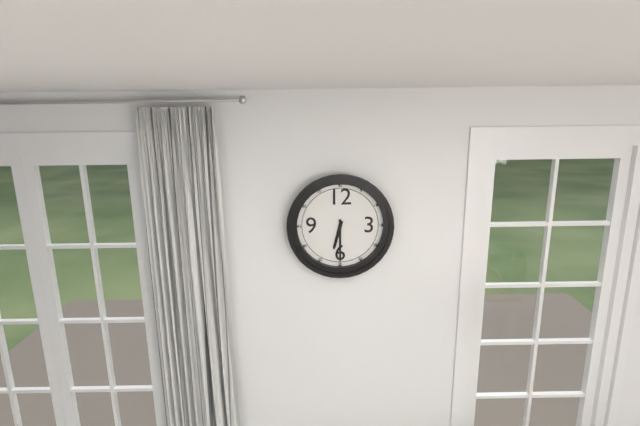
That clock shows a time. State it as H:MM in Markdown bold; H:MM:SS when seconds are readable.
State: **6:30**
